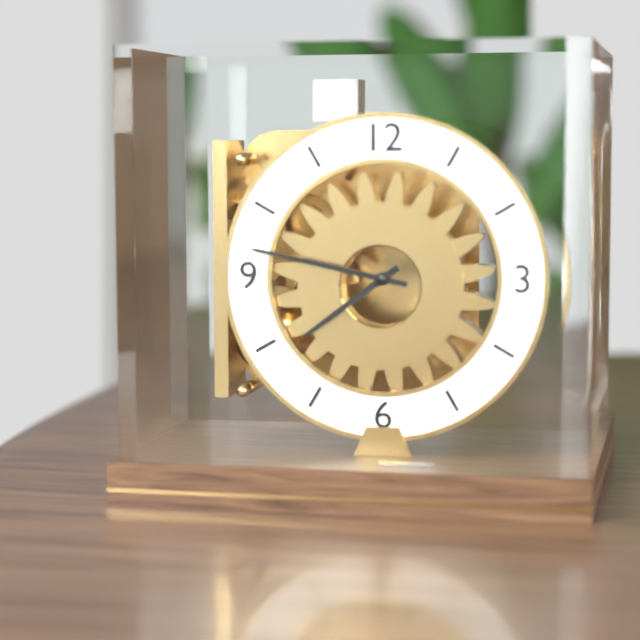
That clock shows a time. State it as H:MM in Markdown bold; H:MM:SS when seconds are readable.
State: **7:47**
